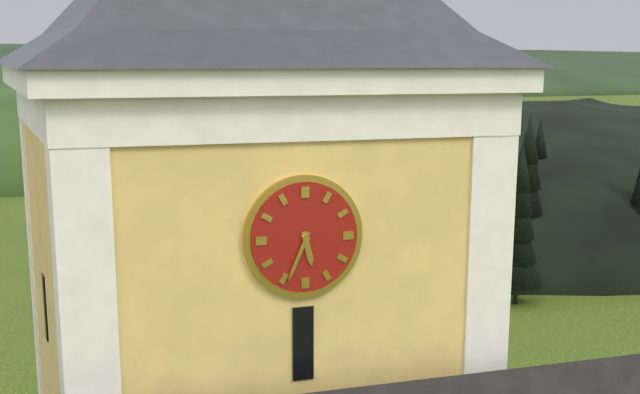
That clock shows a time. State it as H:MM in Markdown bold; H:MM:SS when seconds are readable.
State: **5:34**
